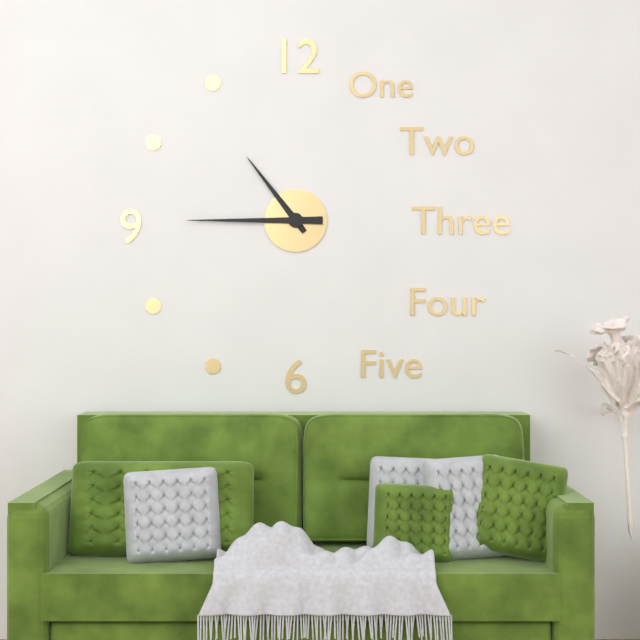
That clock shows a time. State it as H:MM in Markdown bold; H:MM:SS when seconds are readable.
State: **10:45**
